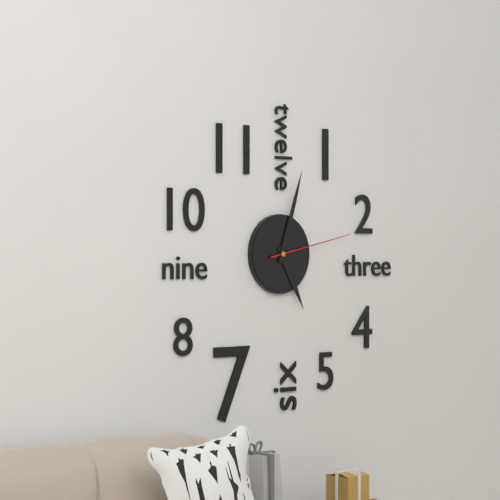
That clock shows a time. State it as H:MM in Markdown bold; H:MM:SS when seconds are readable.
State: **5:03:13**
